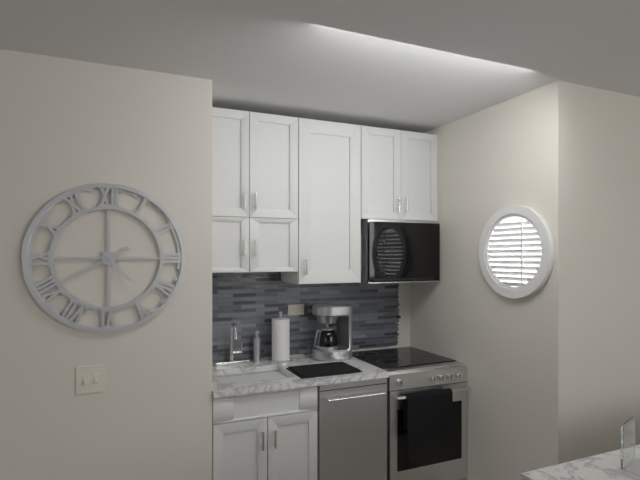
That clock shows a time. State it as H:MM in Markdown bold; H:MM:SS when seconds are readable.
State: **4:40**
